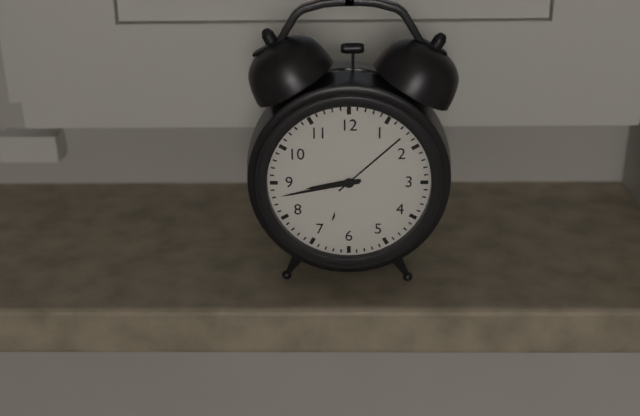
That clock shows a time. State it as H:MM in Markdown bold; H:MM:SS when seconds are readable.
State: **8:43**
